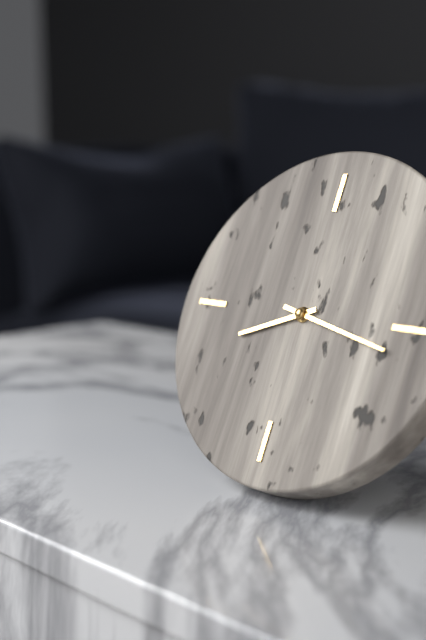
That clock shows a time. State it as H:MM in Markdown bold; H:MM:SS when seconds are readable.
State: **8:17**
